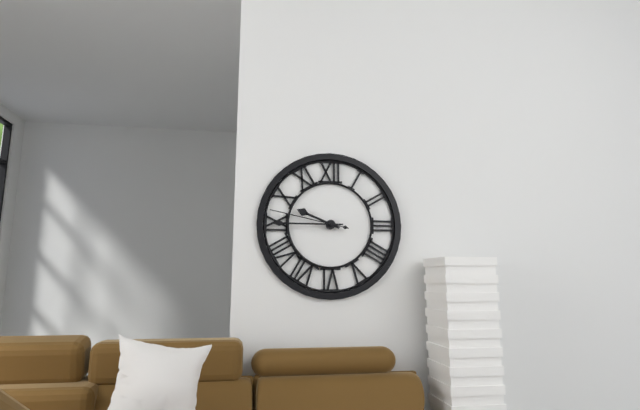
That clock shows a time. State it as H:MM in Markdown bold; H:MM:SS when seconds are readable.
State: **9:45:47**
